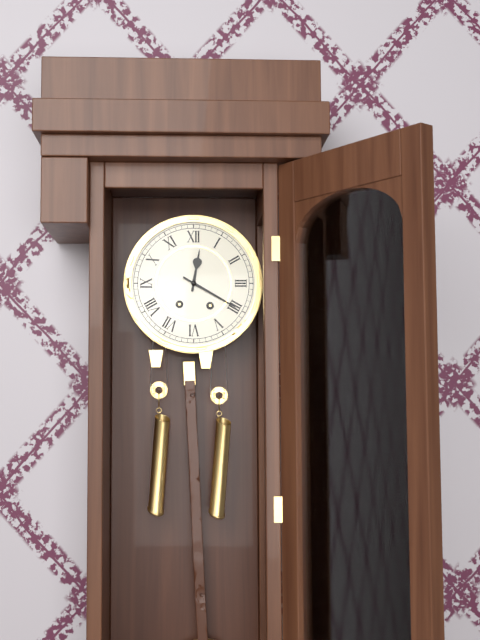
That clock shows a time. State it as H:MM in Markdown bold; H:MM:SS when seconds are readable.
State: **12:20**
